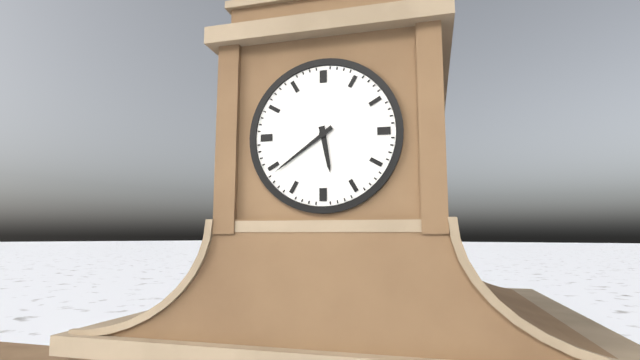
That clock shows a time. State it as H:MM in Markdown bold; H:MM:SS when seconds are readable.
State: **5:39**
